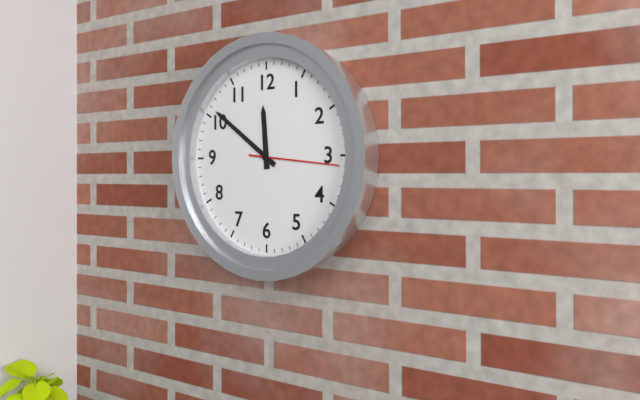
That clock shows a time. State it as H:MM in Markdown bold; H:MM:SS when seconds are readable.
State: **11:51:16**
